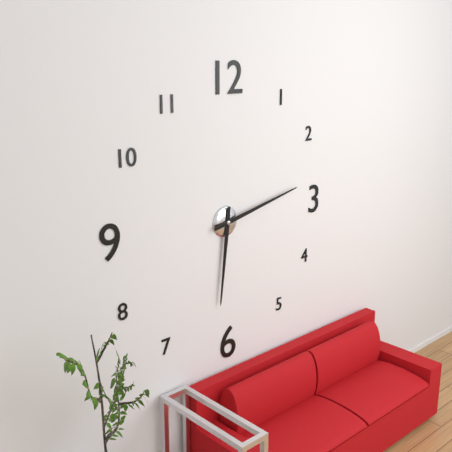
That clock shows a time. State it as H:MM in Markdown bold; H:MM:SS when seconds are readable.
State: **6:13**
